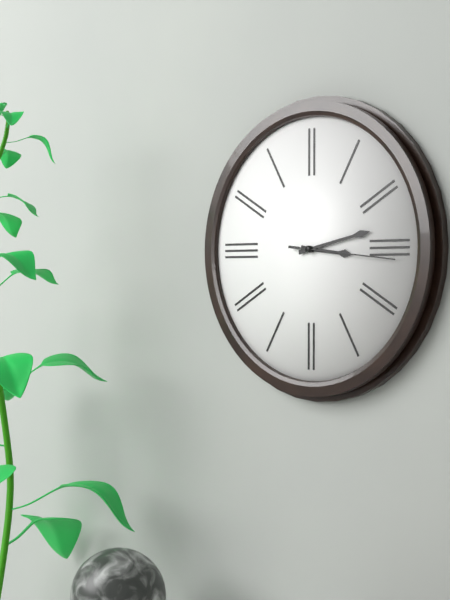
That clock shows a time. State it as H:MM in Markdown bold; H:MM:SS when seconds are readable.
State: **3:13:16**
